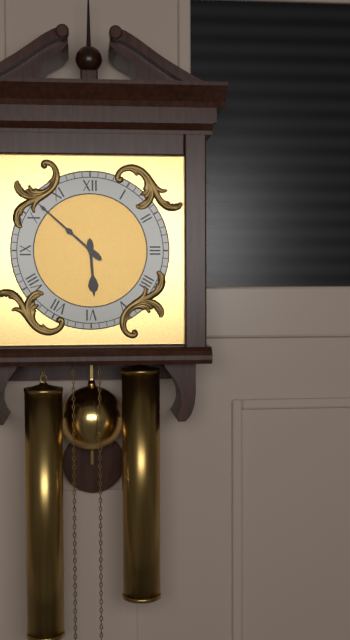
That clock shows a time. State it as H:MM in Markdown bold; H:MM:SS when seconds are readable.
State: **5:52**
